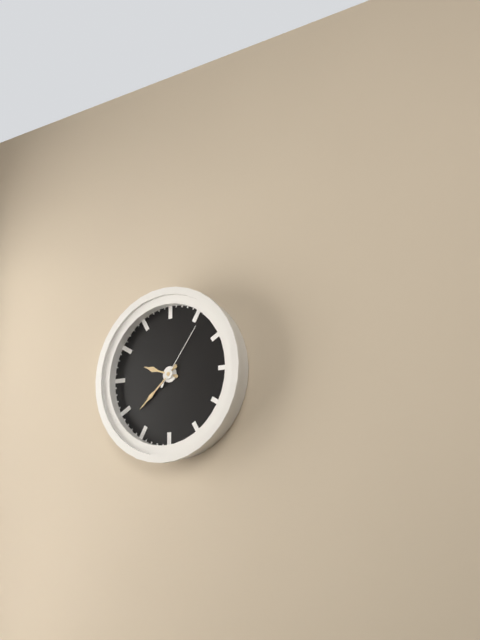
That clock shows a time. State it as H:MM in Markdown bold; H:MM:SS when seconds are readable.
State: **9:38:06**
